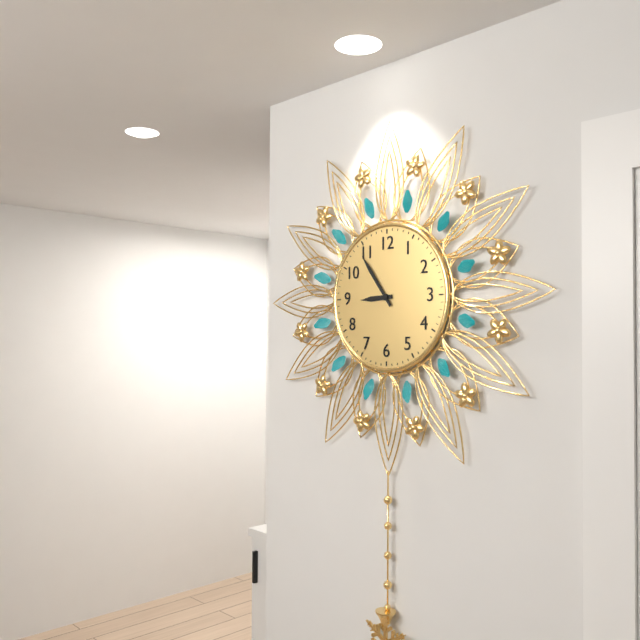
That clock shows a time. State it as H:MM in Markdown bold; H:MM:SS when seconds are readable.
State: **8:54**
